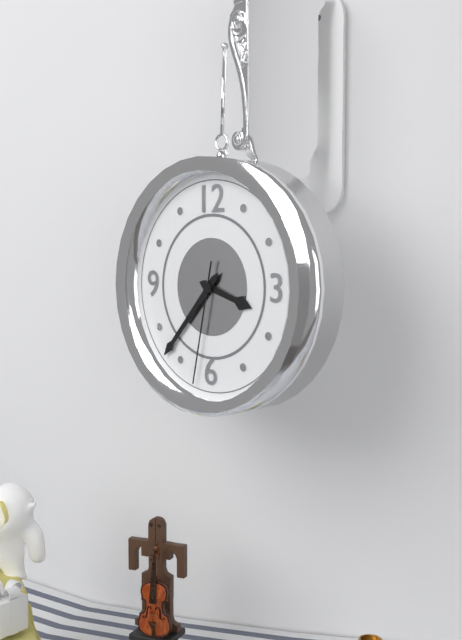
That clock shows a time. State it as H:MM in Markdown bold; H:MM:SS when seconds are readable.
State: **3:37:32**
